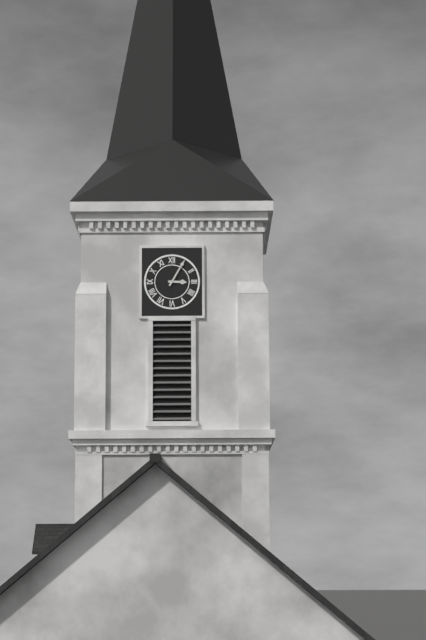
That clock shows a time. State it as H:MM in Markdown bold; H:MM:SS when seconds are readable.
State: **3:05**
